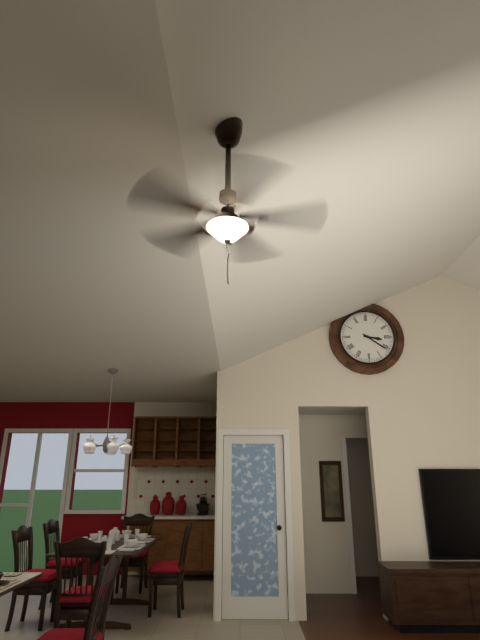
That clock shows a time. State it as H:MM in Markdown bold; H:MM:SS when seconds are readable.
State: **3:21**
